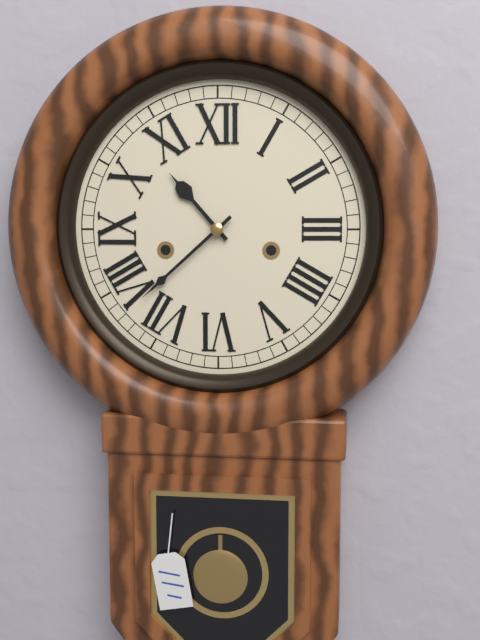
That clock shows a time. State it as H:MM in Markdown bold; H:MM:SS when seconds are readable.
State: **10:38**
